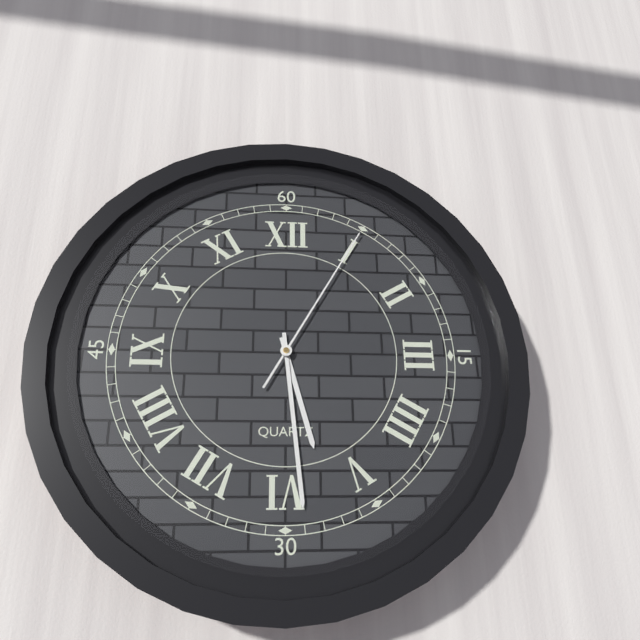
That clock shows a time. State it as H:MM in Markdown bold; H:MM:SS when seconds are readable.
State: **5:29:05**
